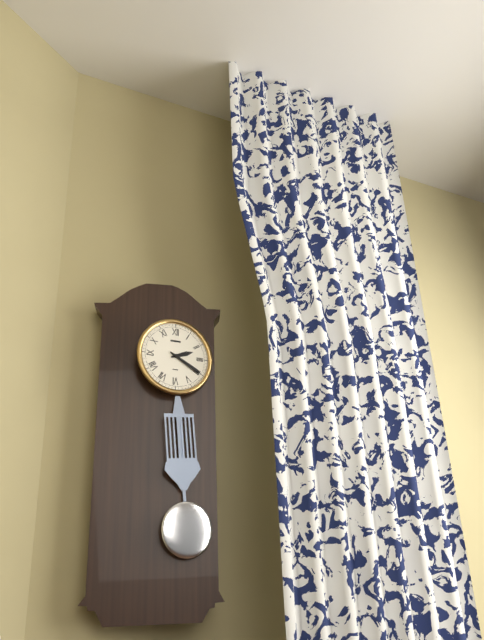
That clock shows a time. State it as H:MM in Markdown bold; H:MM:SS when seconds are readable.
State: **2:20**
